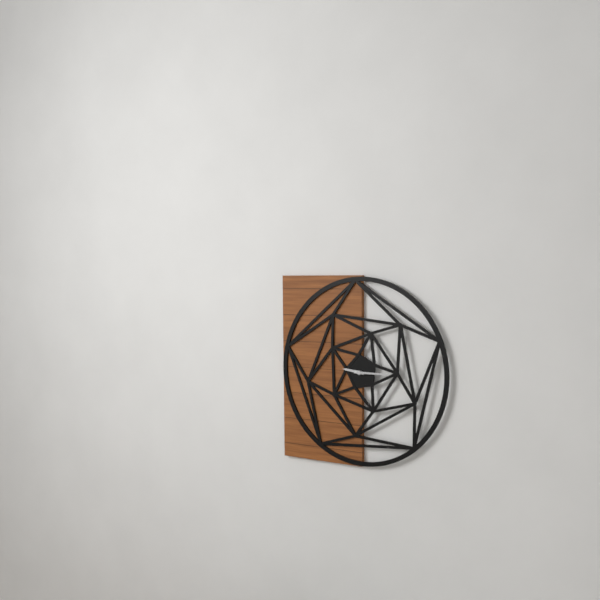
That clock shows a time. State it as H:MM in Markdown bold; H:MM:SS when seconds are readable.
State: **9:15**
